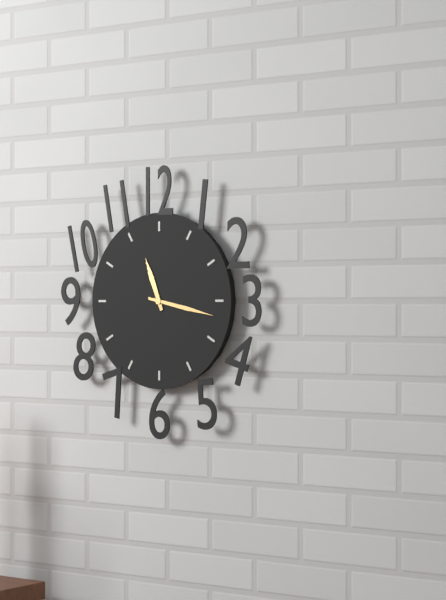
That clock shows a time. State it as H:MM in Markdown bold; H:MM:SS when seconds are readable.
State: **11:17**
